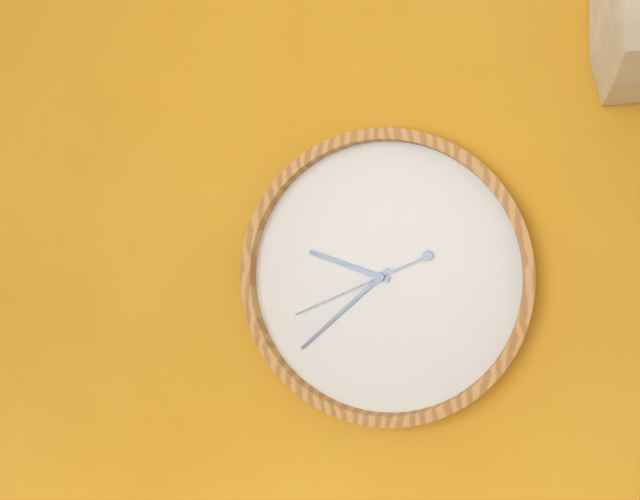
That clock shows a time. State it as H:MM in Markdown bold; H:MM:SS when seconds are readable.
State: **9:38:41**
